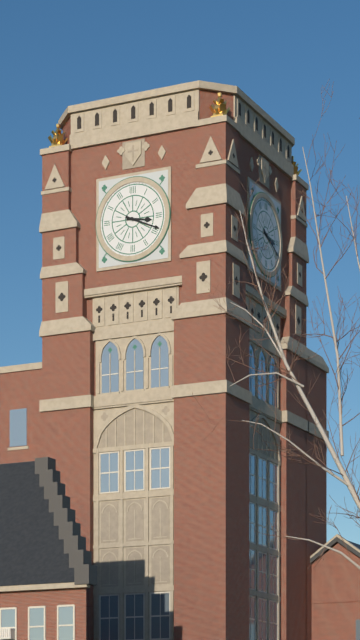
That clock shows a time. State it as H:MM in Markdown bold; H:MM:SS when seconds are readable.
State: **3:19**
